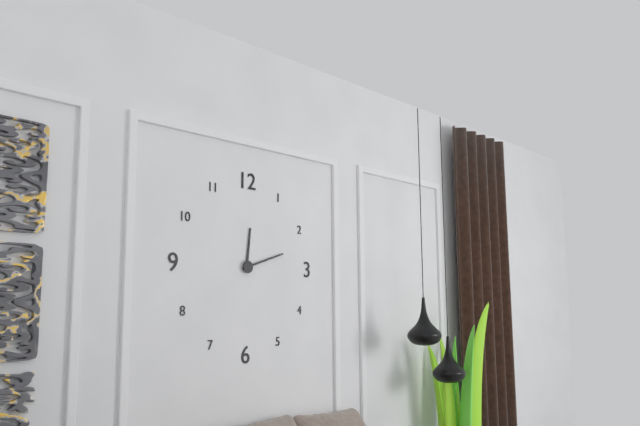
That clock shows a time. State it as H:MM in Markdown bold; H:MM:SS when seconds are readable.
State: **12:12**
